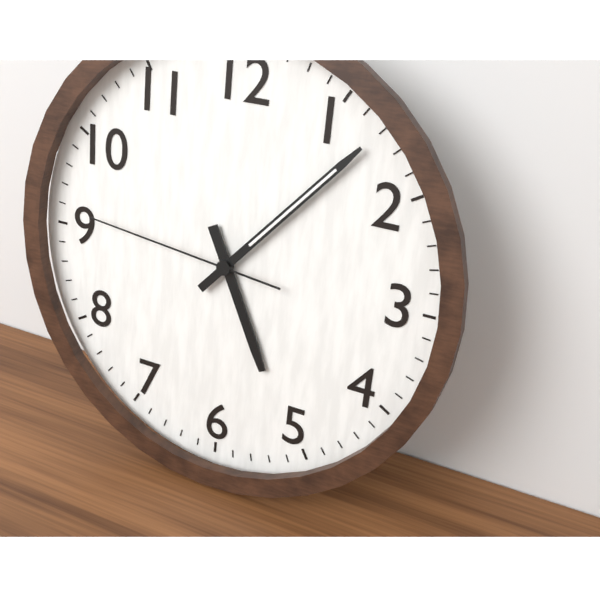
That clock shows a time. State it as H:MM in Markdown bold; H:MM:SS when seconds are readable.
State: **5:07:46**
